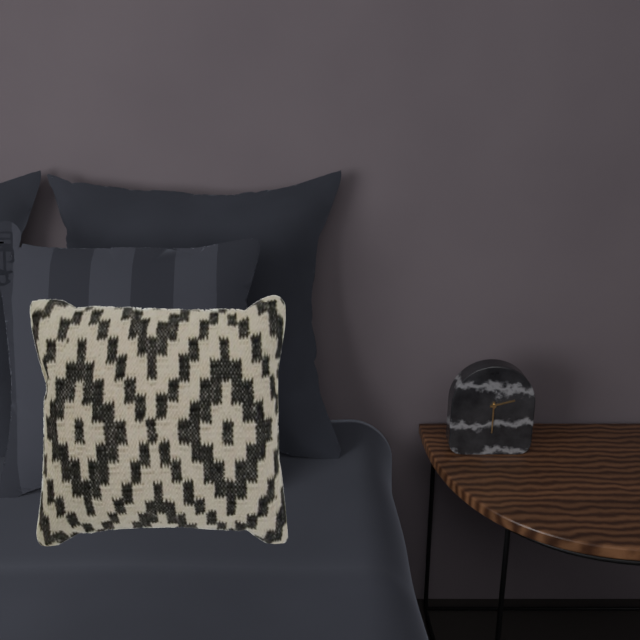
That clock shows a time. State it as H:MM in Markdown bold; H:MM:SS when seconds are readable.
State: **2:30**
